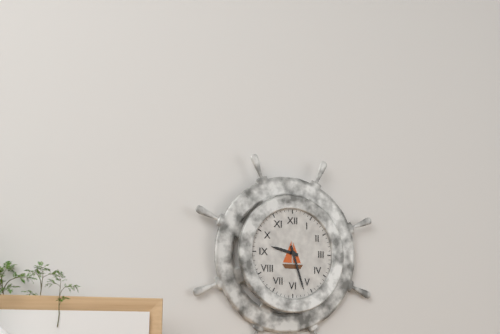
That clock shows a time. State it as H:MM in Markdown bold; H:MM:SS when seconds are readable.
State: **9:27**
